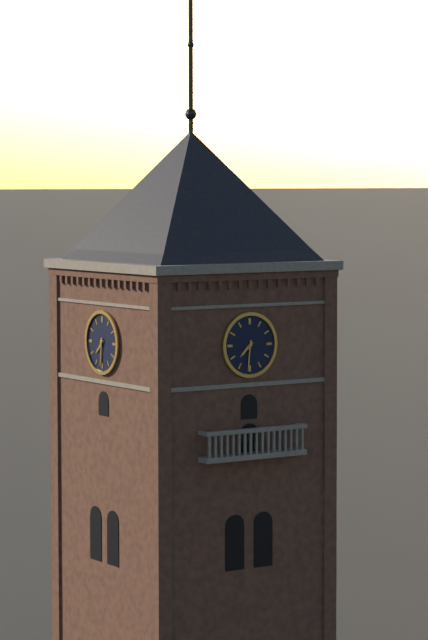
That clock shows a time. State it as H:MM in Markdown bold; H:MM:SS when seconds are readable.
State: **7:31**
